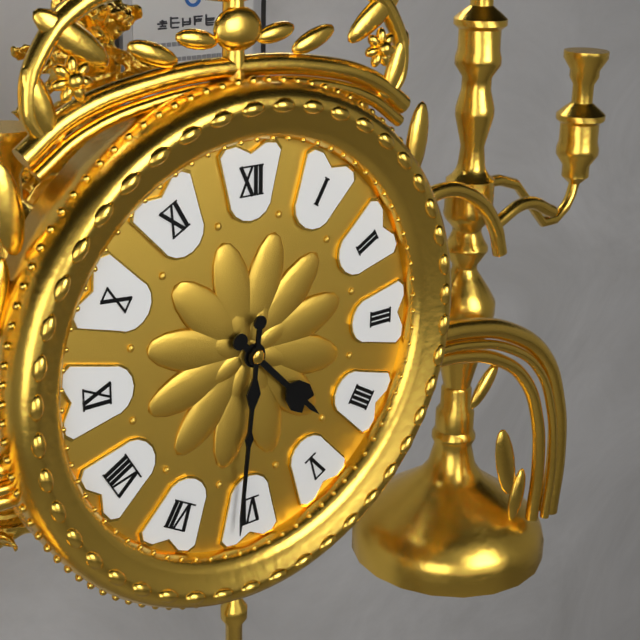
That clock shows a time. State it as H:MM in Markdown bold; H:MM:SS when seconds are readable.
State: **4:31**
